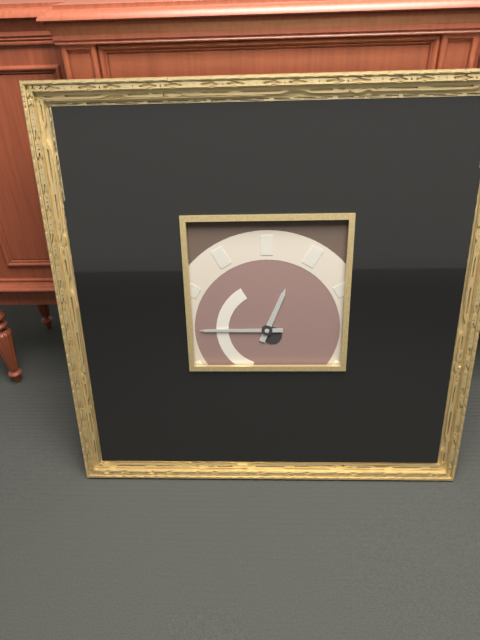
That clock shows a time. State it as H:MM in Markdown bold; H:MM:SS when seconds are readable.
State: **12:45**
